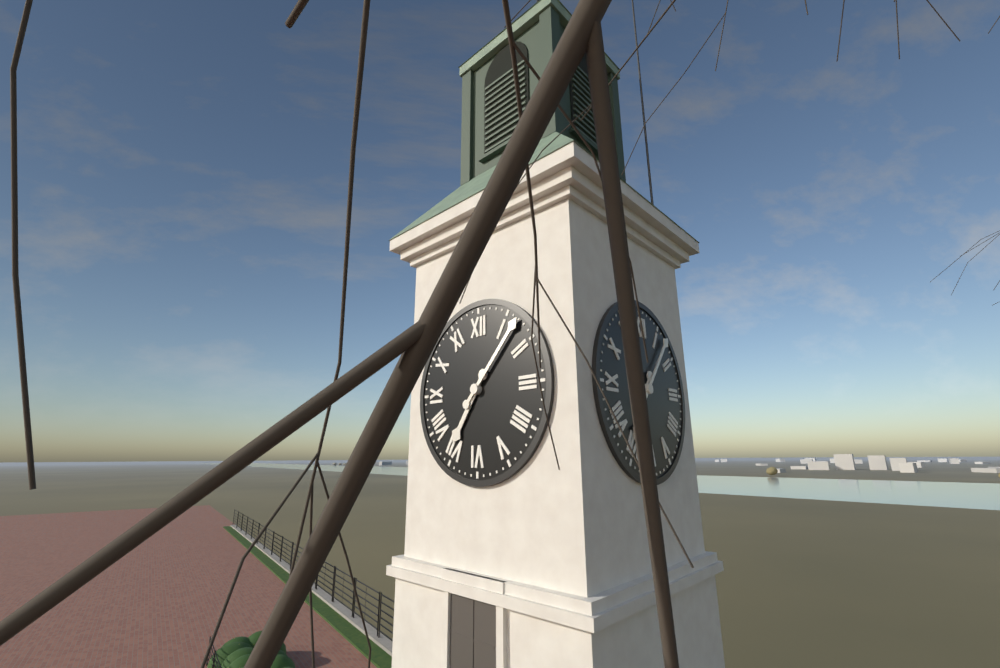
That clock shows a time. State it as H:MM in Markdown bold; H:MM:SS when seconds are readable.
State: **7:07**
